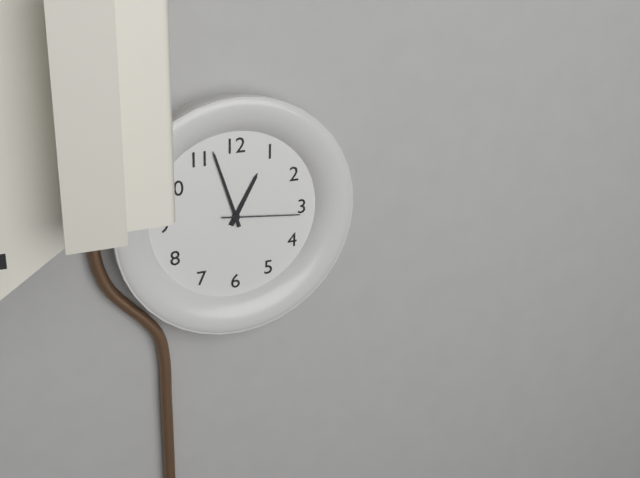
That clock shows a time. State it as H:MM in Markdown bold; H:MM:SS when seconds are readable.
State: **12:57:16**
